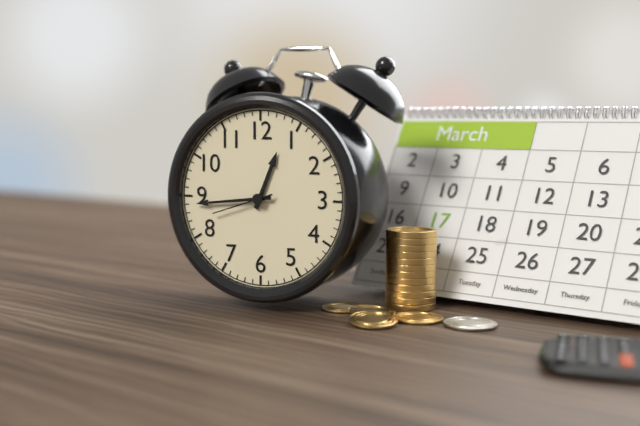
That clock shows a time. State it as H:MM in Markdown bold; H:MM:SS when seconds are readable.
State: **12:44:42**
